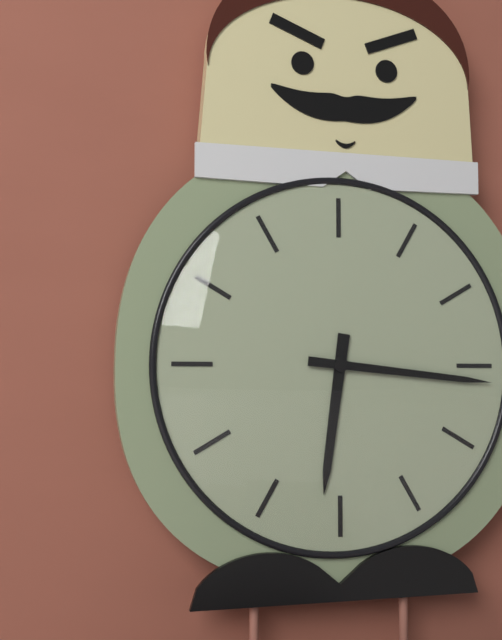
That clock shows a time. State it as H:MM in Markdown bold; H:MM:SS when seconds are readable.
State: **6:16**
